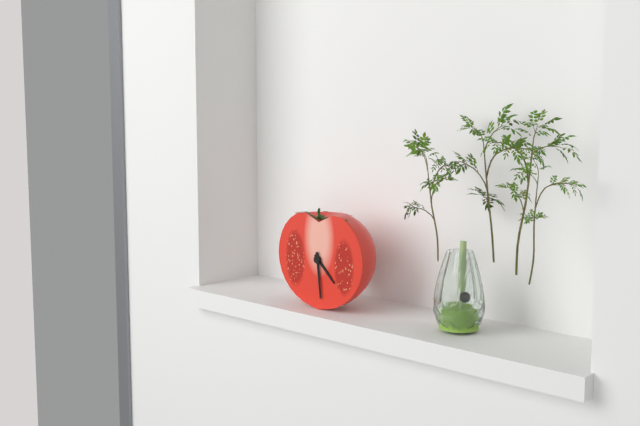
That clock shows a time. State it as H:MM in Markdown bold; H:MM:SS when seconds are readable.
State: **4:29**
